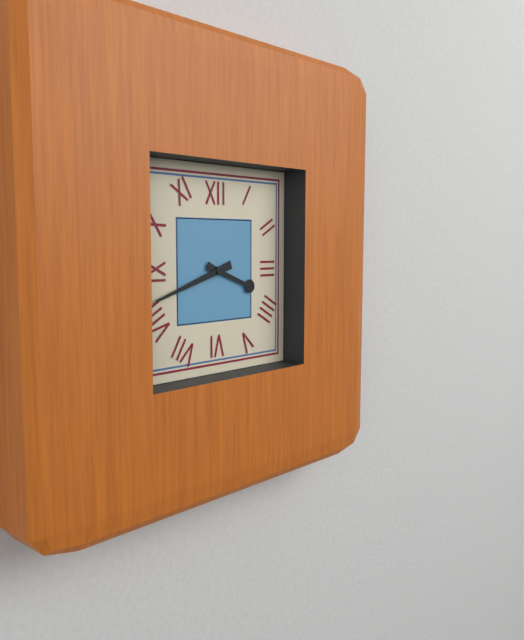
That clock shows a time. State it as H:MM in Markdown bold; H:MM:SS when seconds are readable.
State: **3:42**
